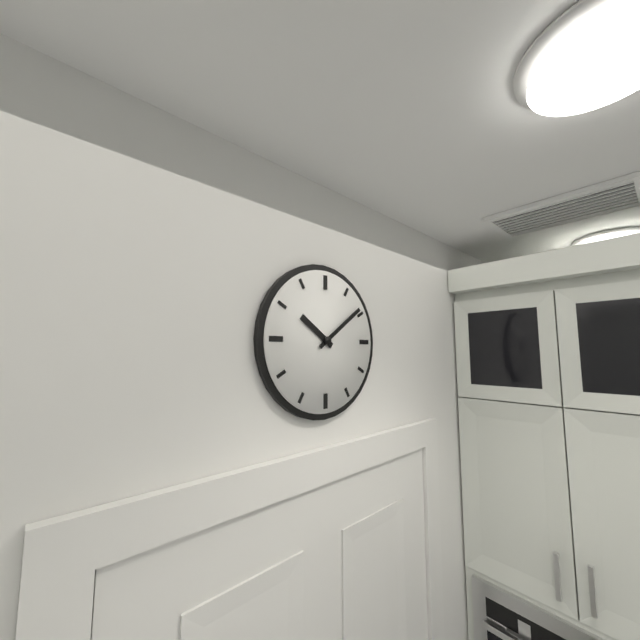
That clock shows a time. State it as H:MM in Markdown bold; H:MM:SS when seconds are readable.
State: **10:09**
